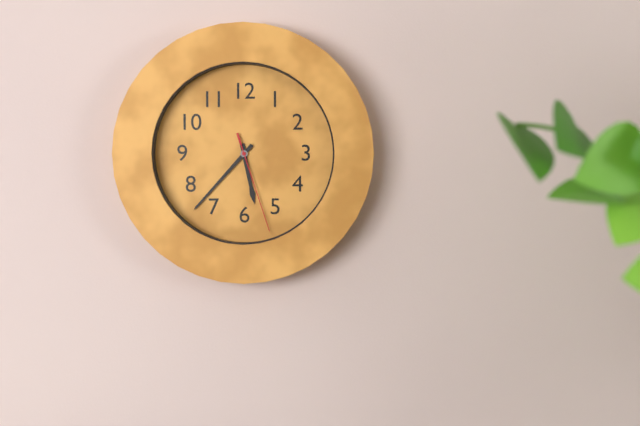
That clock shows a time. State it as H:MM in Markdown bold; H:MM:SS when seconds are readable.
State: **5:37:27**
